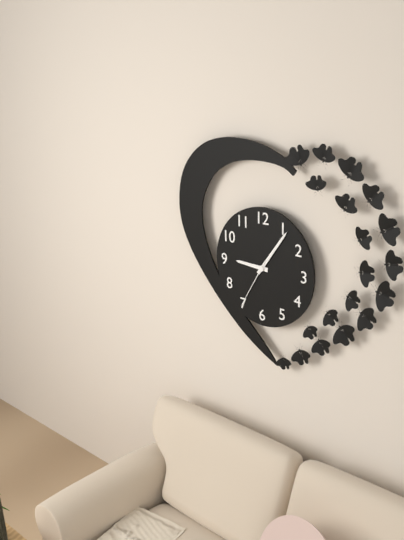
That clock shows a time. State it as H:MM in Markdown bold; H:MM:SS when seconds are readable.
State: **9:06:35**
